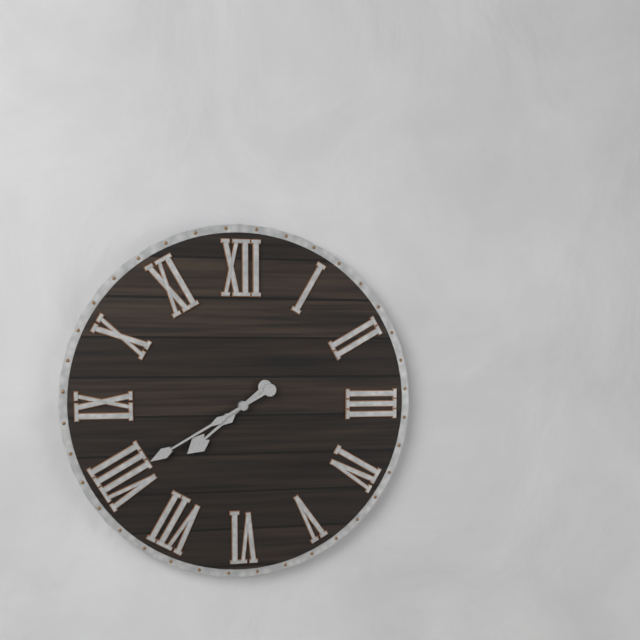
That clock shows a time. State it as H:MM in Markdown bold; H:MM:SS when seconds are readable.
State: **7:40**
